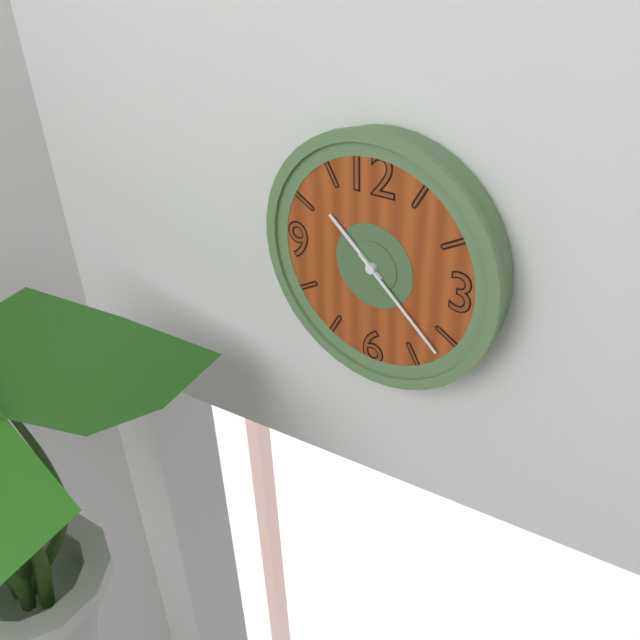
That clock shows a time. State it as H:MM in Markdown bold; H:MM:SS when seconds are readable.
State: **10:22**
